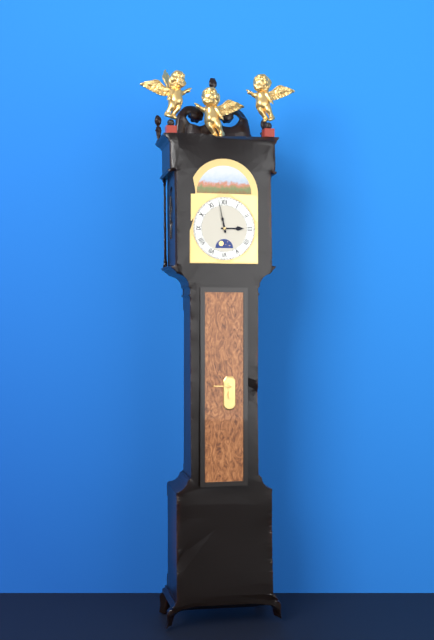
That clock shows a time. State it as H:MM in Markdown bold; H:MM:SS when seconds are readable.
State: **2:58**
